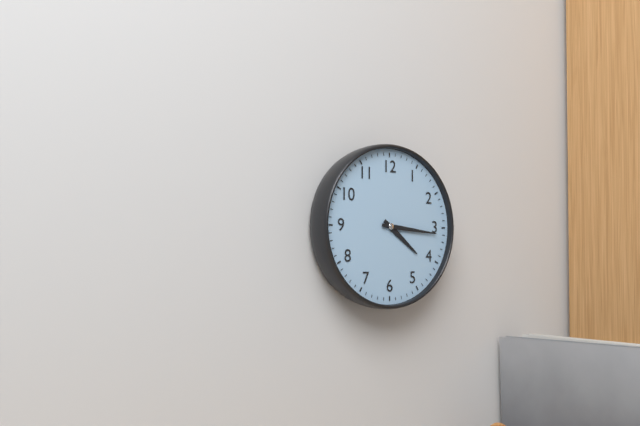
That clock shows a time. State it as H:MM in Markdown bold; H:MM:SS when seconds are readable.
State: **4:16**
